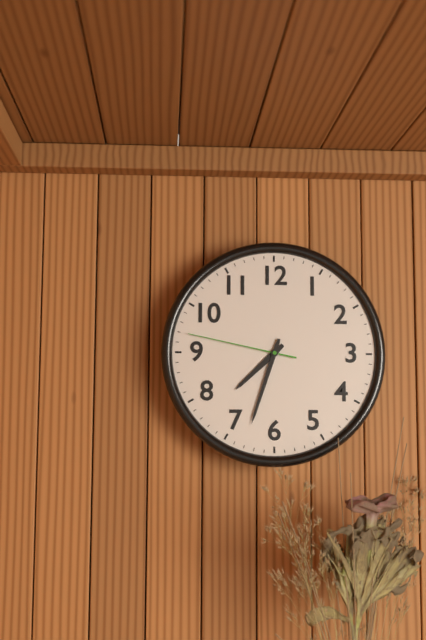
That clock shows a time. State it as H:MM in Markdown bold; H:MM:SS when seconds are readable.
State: **7:33:47**
